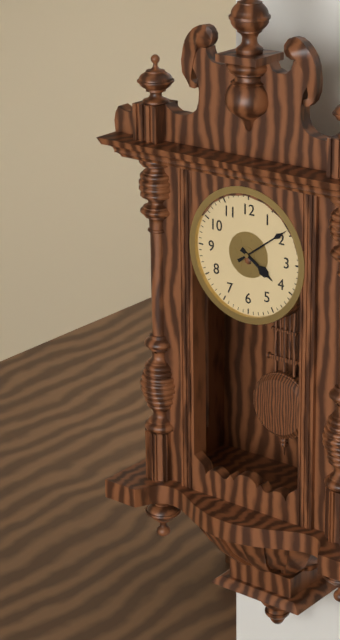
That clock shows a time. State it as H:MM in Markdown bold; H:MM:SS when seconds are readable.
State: **4:09**
